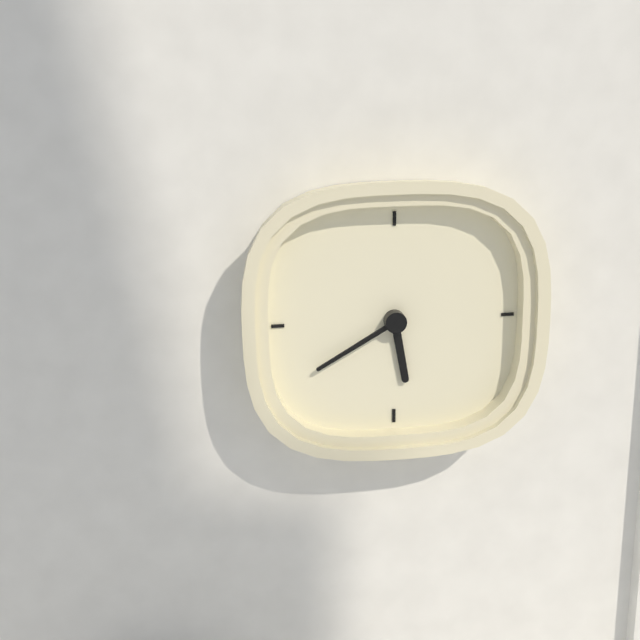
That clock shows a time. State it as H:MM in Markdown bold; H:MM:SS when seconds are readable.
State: **5:40**
